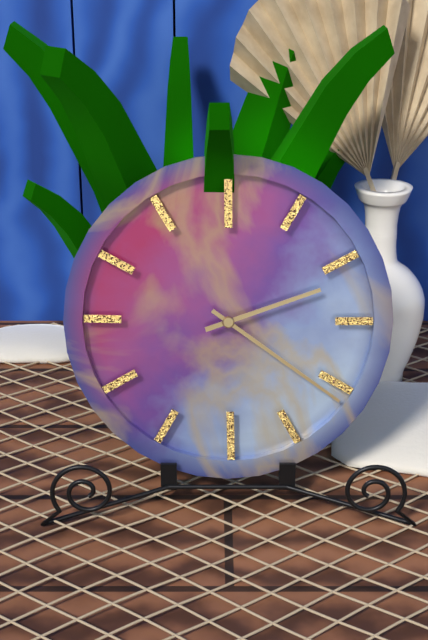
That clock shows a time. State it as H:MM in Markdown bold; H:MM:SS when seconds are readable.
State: **2:21**
